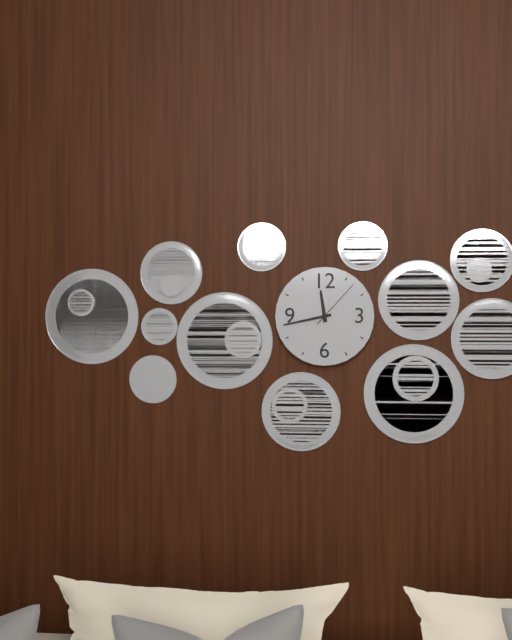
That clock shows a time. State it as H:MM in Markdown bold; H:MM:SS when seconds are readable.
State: **11:43:07**
